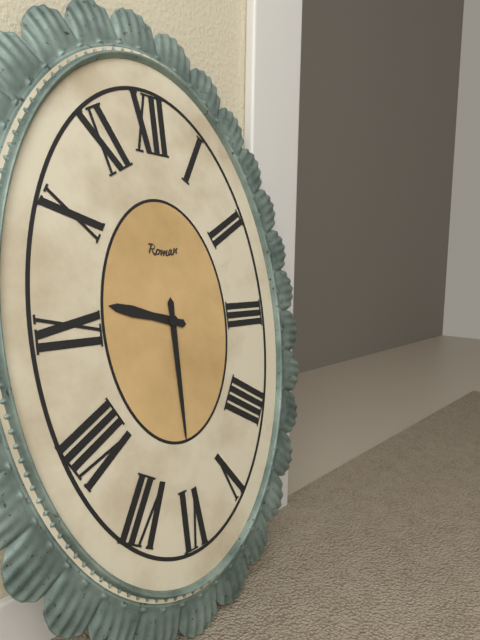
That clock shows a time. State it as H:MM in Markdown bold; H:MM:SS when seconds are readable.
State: **9:30**
